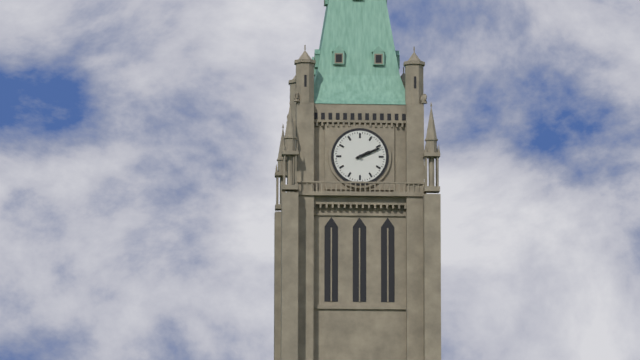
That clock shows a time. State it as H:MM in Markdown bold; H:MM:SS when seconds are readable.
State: **2:11**
